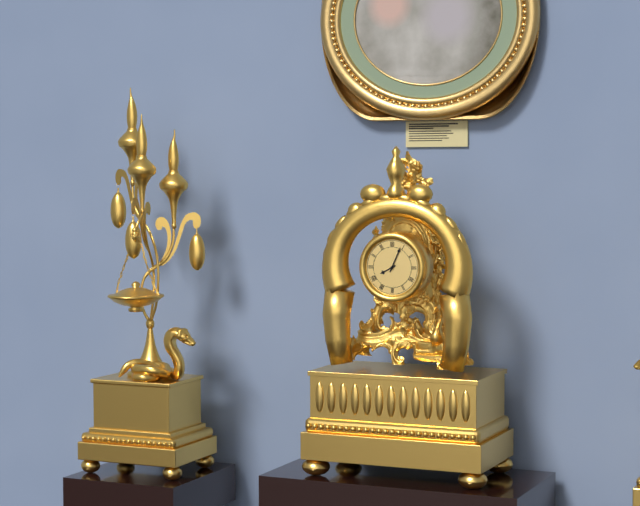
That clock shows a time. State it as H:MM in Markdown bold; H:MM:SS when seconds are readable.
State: **8:04**
